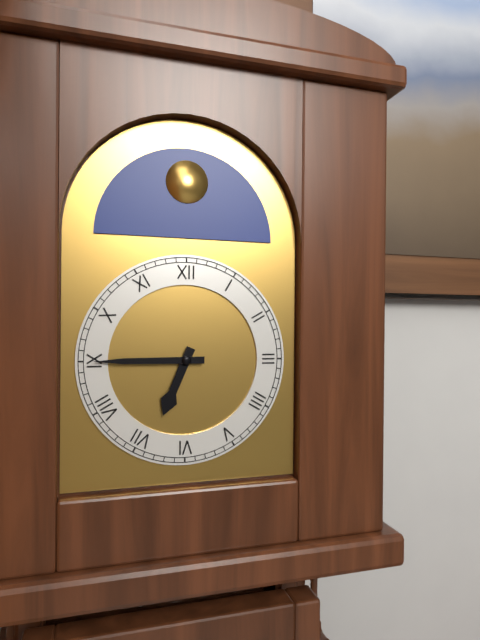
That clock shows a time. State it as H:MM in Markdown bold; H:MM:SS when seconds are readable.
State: **6:45**
